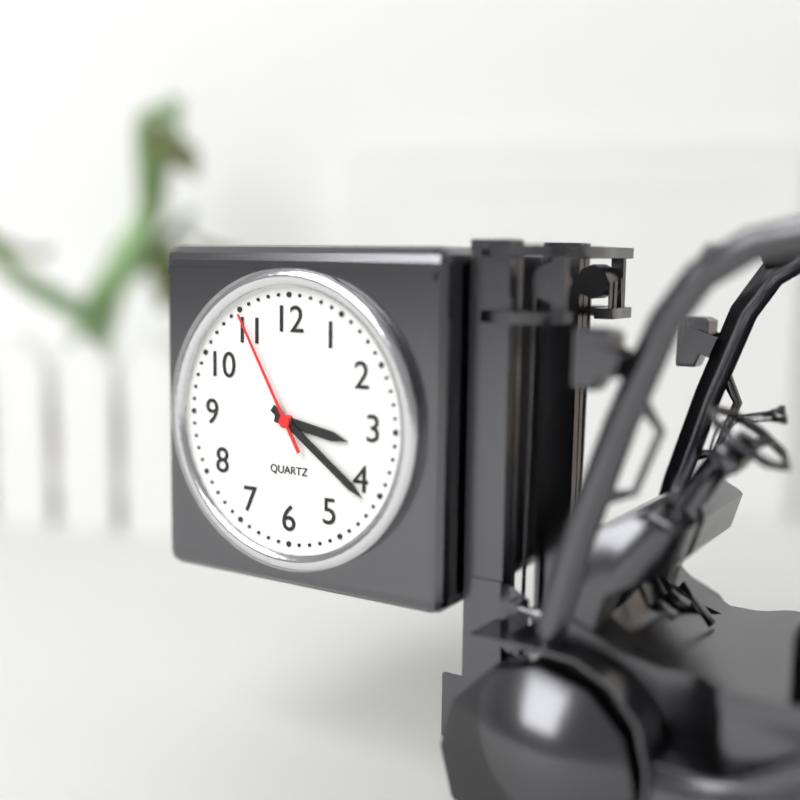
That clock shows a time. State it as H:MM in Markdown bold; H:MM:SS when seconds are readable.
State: **3:21:55**
